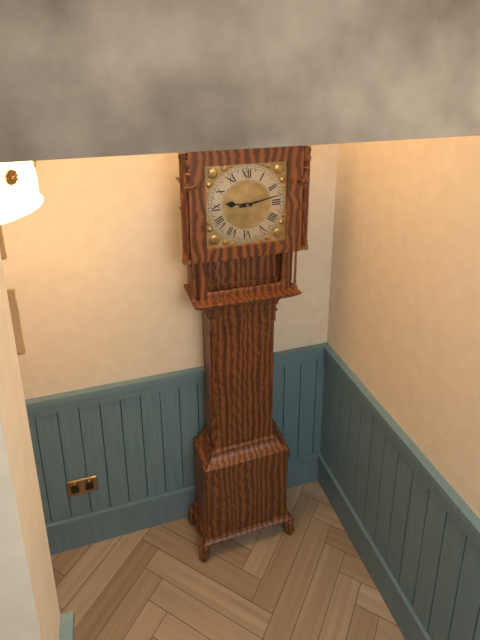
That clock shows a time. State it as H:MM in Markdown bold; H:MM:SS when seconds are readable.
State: **9:13**
